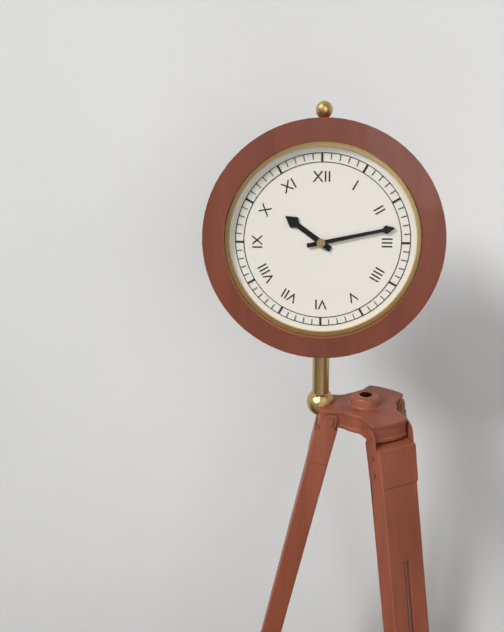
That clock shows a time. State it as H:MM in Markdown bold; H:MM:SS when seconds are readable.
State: **10:13**
